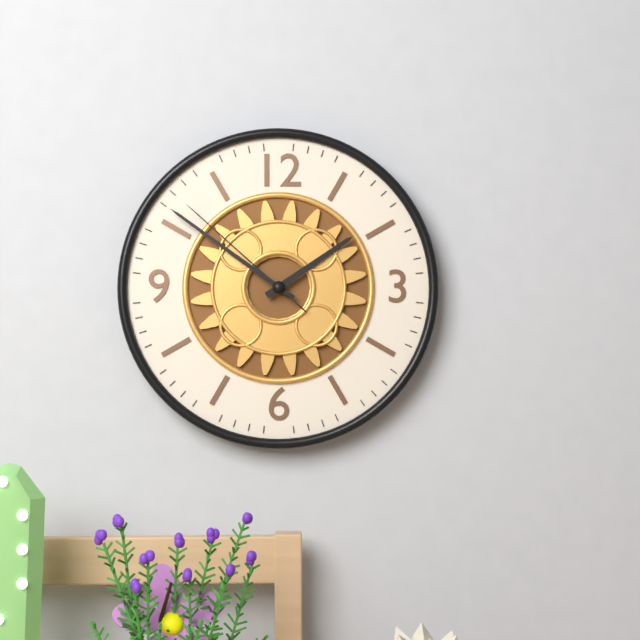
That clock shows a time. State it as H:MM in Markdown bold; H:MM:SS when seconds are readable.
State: **1:51:52**
